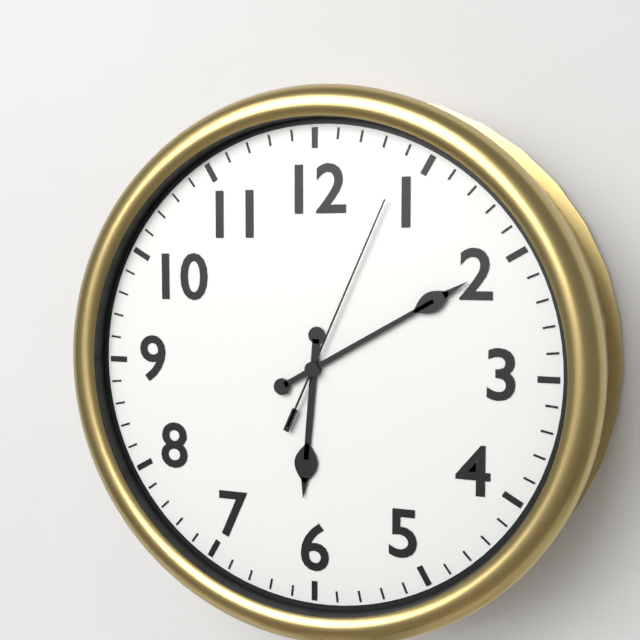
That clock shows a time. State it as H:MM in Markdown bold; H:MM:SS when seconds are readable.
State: **6:10:04**
